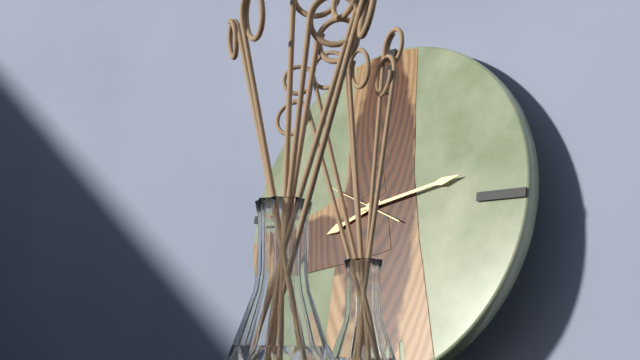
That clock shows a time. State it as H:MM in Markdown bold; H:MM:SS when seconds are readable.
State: **8:13:49**
